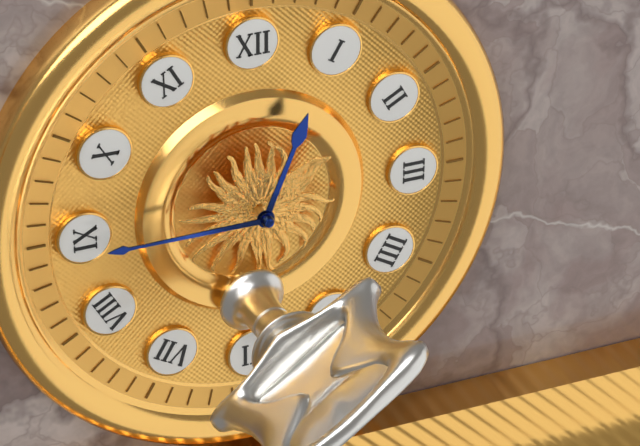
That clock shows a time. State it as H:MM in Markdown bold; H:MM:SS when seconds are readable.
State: **12:45**
